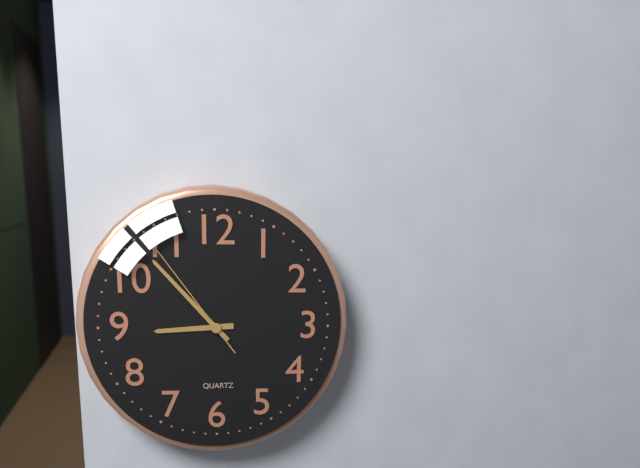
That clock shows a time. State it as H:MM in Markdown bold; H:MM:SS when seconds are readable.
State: **8:53:54**
